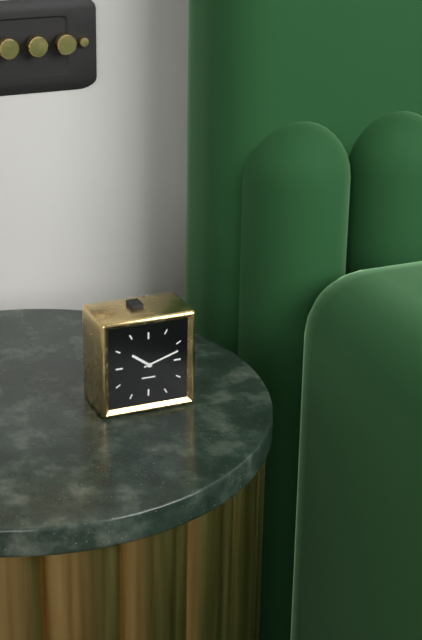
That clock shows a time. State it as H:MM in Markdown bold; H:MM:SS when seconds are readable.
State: **10:12**
